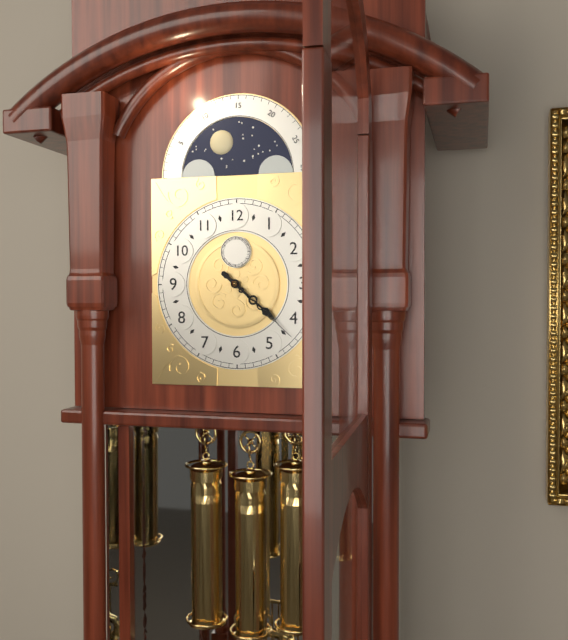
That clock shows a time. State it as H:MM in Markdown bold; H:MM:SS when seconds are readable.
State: **4:22**
